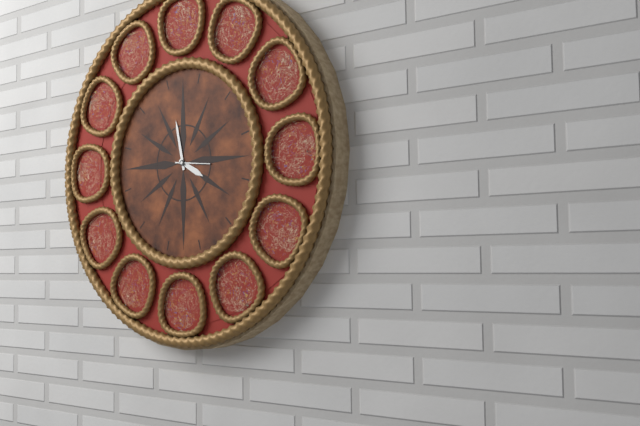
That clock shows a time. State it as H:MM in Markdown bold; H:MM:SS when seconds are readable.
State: **3:58**
